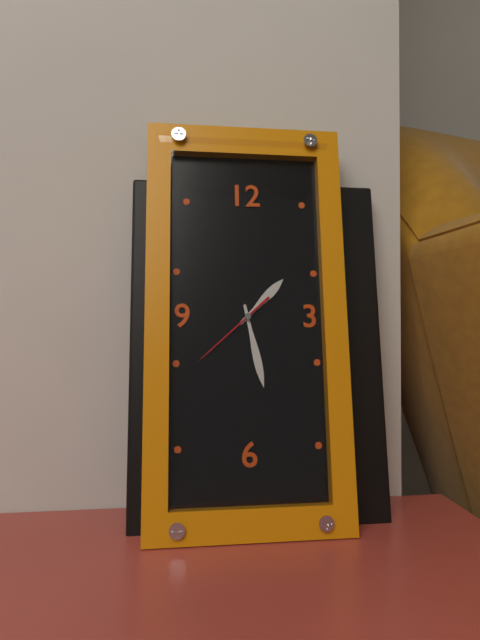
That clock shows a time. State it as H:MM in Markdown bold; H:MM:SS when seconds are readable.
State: **1:28:38**
